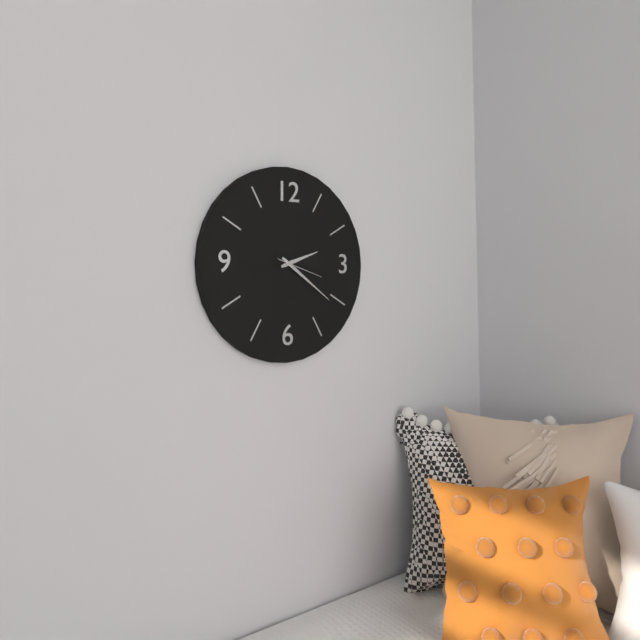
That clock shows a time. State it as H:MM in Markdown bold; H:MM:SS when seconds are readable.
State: **2:21**
